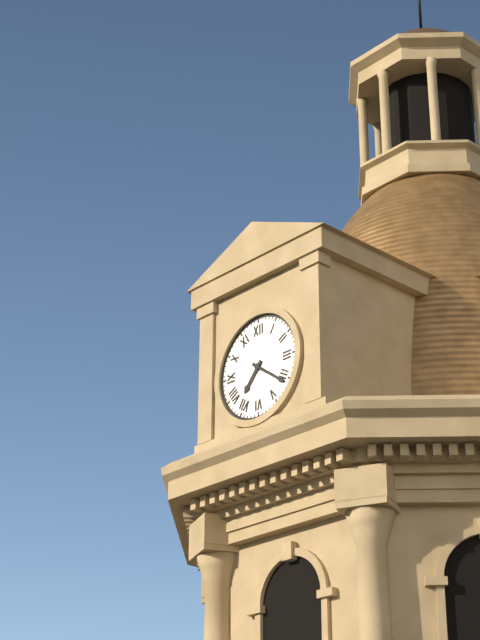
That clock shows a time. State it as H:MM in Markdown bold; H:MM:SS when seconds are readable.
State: **7:21**
